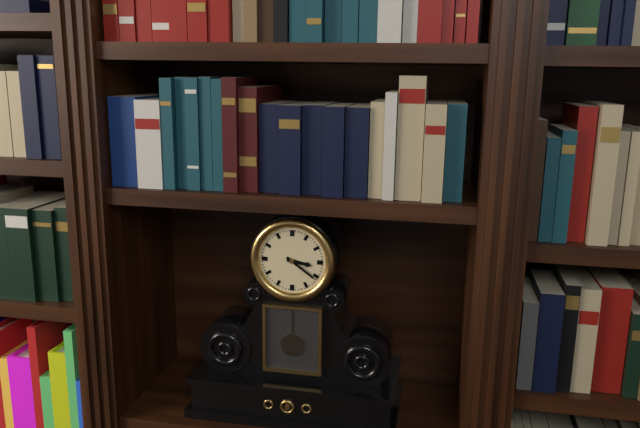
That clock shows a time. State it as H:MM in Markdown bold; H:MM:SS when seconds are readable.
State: **3:21**
